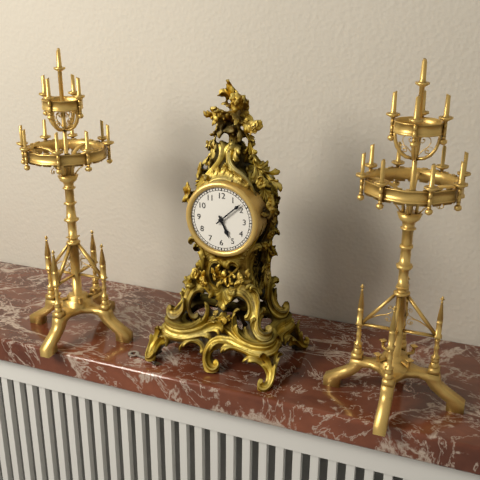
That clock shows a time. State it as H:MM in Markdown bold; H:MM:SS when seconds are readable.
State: **5:08**
